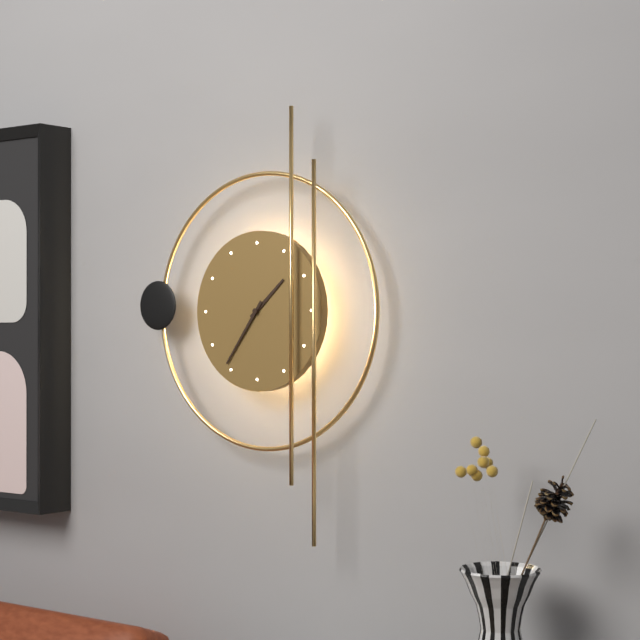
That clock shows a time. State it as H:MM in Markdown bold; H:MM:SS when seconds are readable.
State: **1:36**
